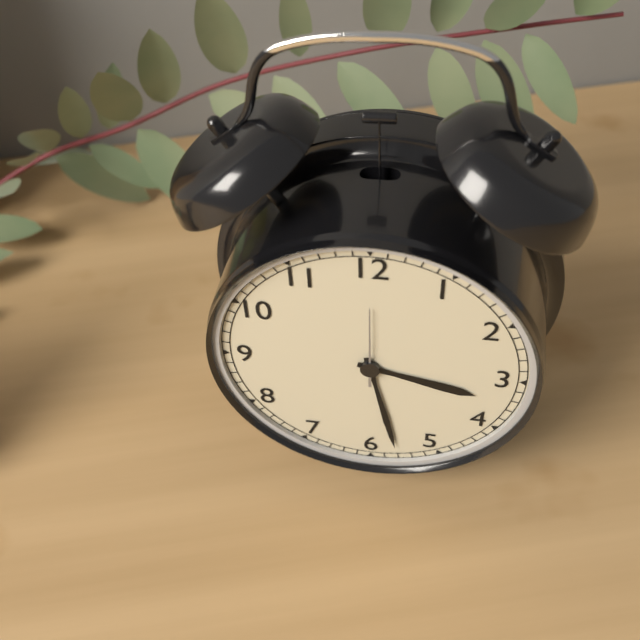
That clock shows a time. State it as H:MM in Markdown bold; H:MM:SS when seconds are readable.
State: **3:28:00**
